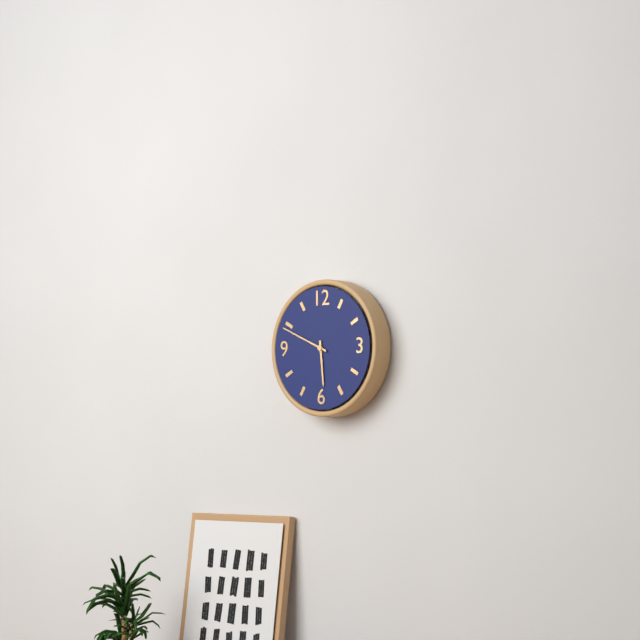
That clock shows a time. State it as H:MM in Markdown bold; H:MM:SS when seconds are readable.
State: **5:49**
